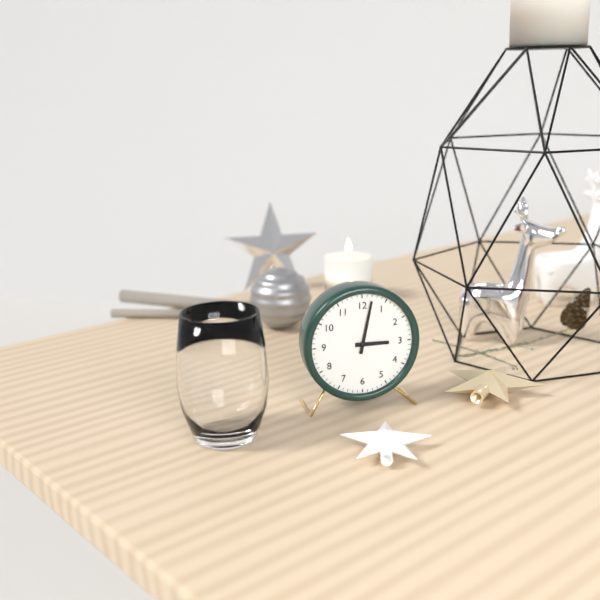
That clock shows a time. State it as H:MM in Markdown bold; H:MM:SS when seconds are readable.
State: **3:02**
